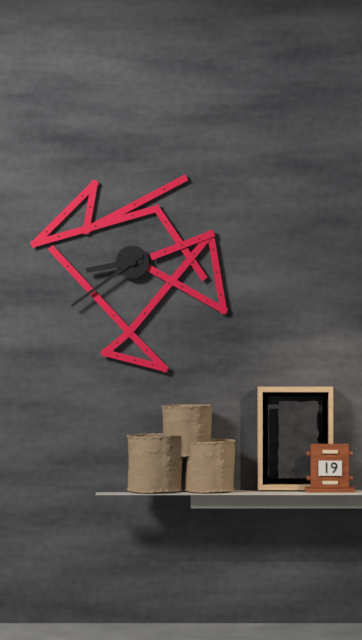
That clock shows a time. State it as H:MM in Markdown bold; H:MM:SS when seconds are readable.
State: **8:39**
